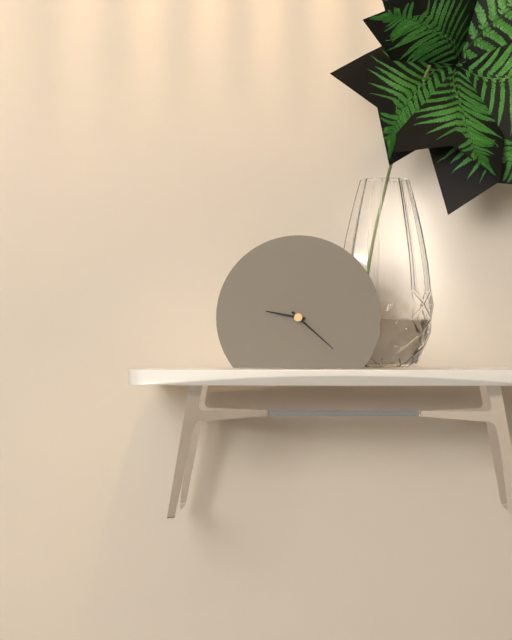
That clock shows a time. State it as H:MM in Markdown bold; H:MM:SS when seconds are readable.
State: **9:22**
